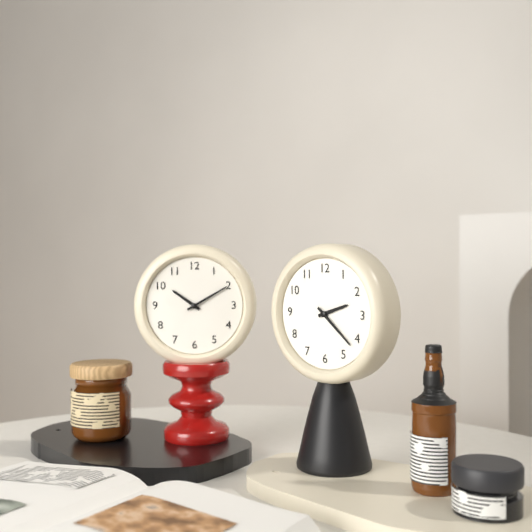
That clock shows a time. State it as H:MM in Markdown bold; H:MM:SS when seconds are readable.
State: **2:22**
